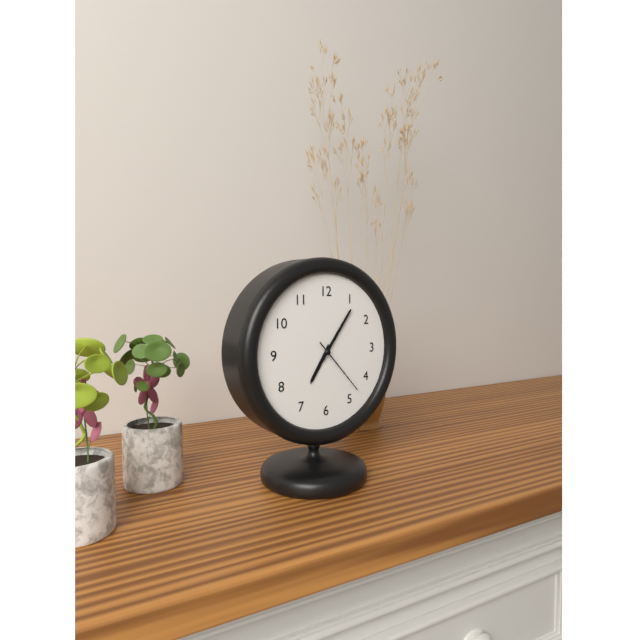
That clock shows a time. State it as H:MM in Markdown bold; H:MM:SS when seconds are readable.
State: **7:06:23**
